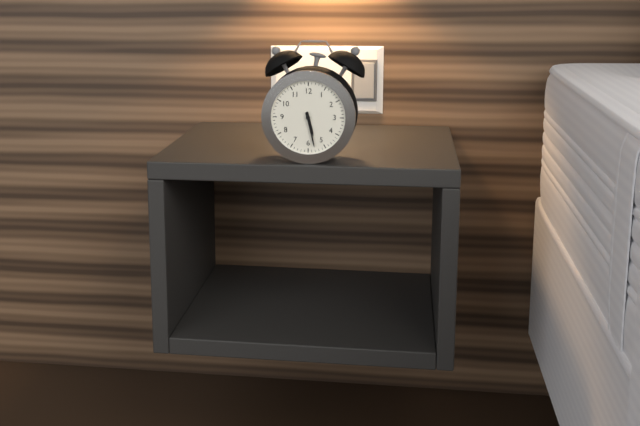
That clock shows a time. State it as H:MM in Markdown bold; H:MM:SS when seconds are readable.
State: **5:28**
